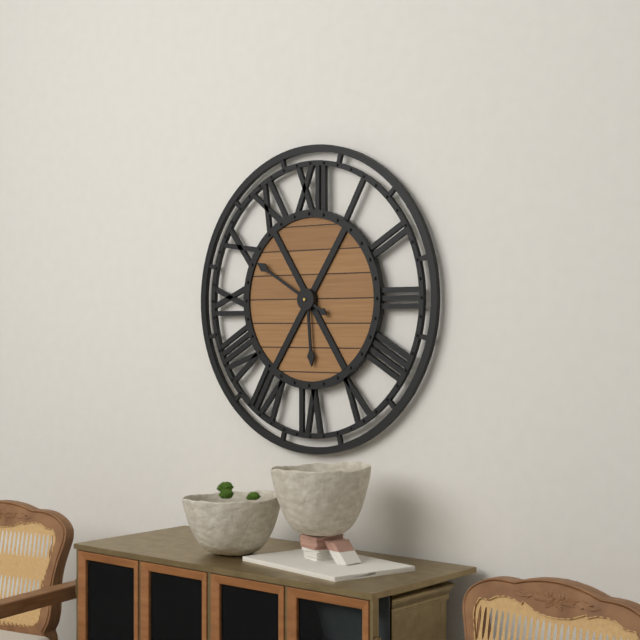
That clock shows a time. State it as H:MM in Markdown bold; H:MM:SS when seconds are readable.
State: **5:50**
